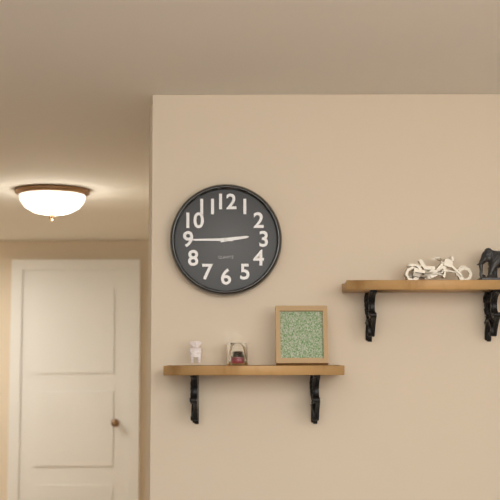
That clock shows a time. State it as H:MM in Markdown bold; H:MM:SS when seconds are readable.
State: **2:45**
